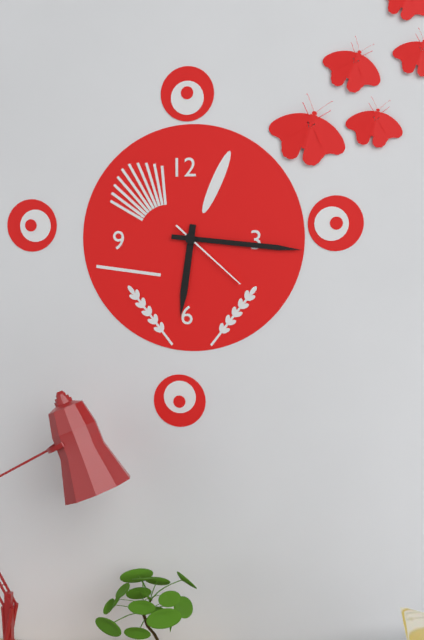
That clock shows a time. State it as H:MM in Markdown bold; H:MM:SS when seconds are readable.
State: **6:16:22**
